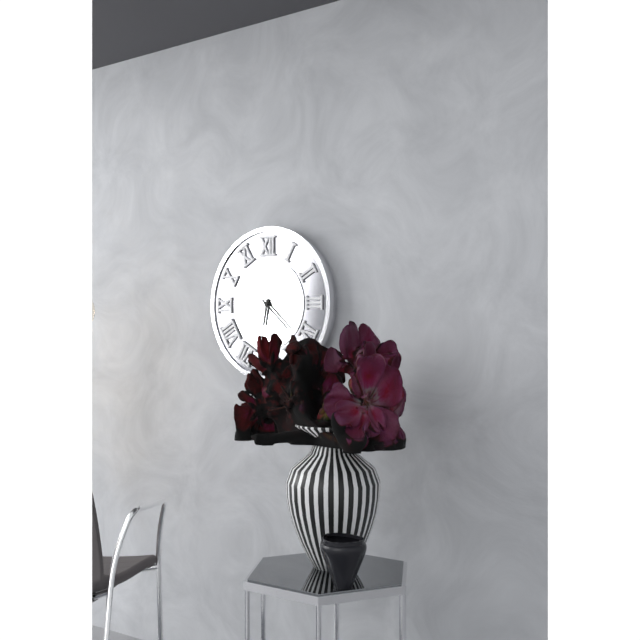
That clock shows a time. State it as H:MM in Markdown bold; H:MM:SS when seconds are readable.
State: **6:22**
